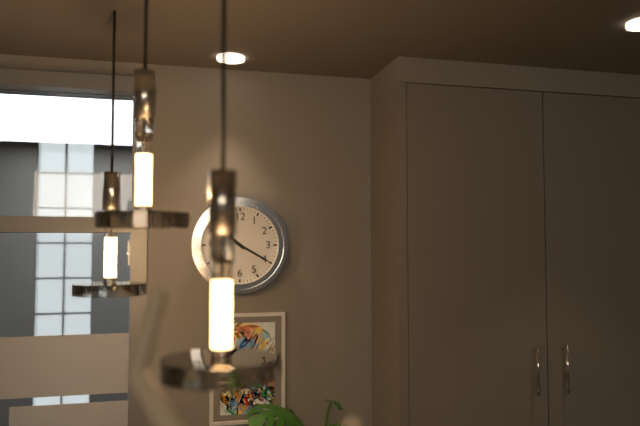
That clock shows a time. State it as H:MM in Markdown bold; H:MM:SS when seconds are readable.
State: **10:20**
